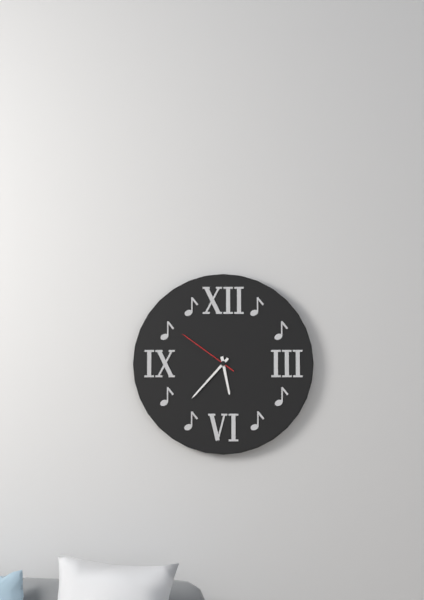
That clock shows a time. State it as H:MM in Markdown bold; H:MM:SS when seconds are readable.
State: **5:37:51**
